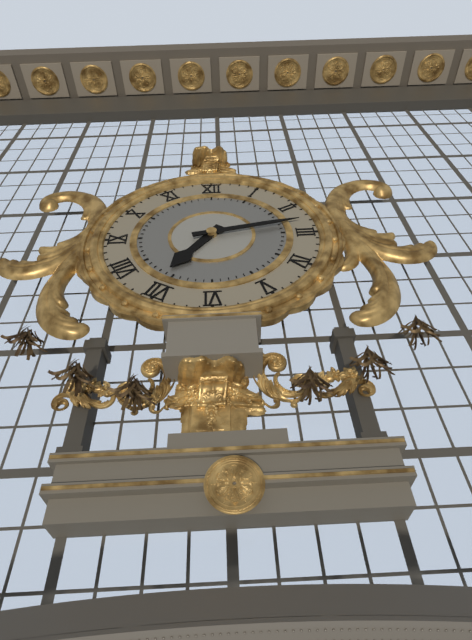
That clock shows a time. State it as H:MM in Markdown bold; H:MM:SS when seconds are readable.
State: **7:13**
